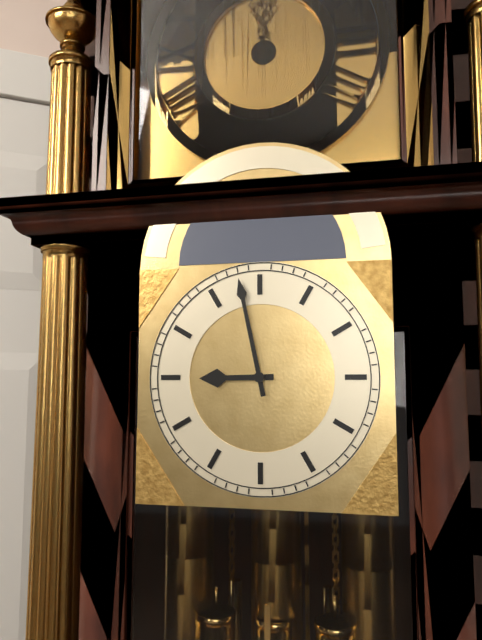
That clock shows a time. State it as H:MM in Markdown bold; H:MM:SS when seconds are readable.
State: **8:58**
